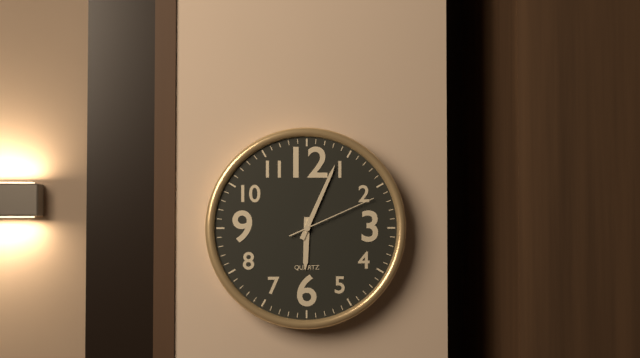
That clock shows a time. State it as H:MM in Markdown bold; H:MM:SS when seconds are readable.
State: **6:04:11**
